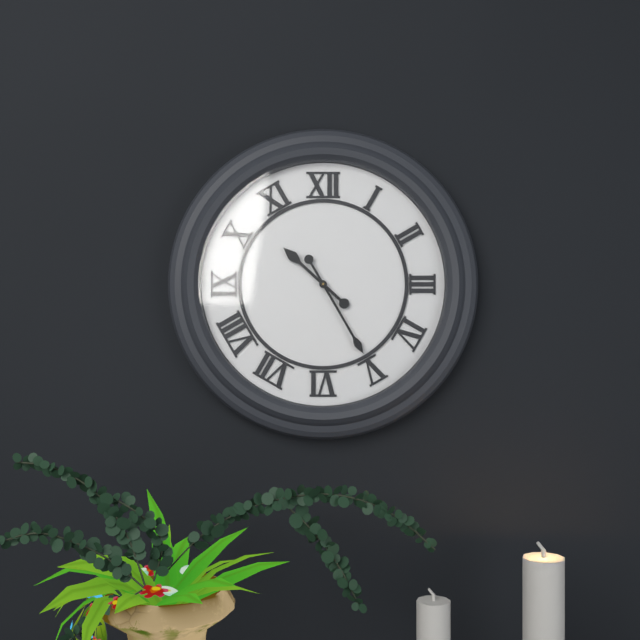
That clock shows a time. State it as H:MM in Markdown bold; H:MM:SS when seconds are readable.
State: **10:25**
